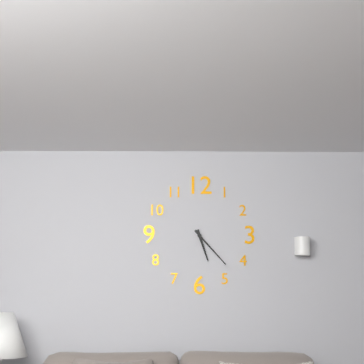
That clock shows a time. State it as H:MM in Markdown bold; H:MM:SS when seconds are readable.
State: **5:23**
